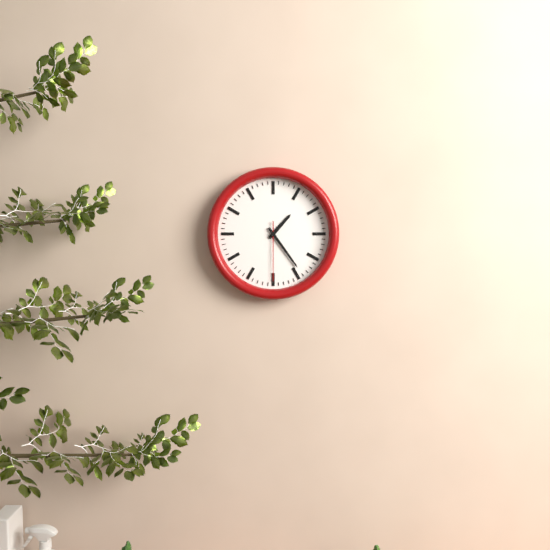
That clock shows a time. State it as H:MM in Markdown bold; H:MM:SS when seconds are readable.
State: **1:24:30**
